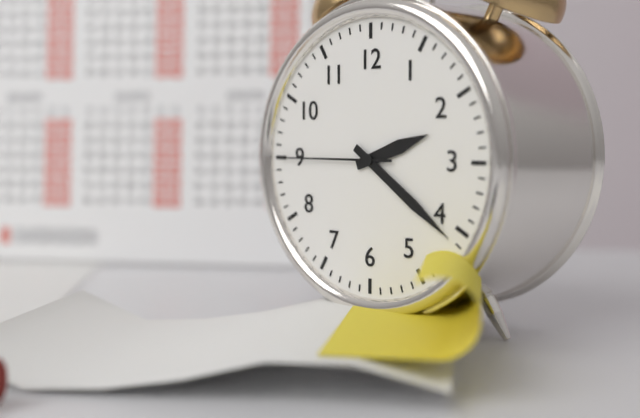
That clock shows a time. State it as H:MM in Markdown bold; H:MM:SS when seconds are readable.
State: **2:21:45**
